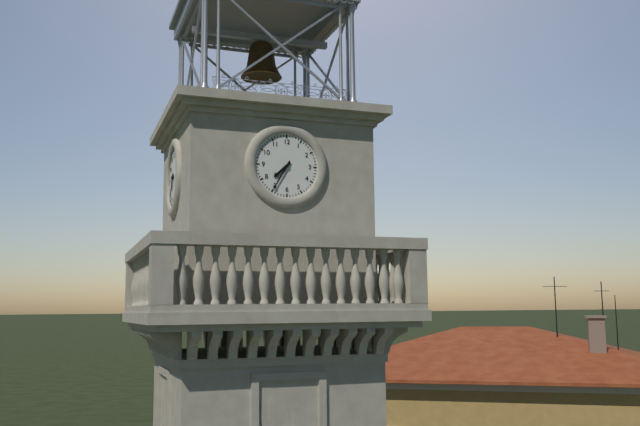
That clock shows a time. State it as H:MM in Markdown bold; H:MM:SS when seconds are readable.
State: **7:35**
